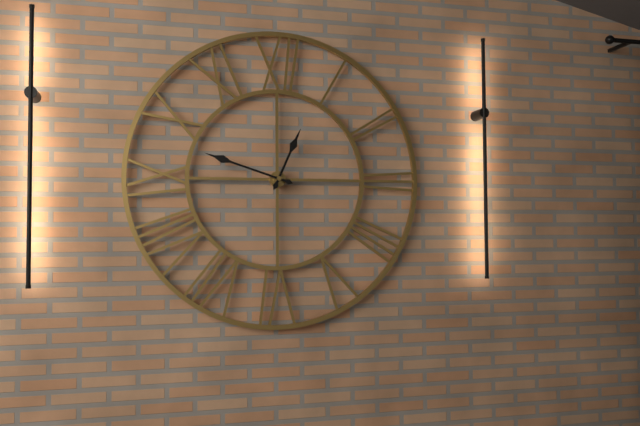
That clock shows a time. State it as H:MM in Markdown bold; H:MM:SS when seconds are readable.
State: **12:48**
